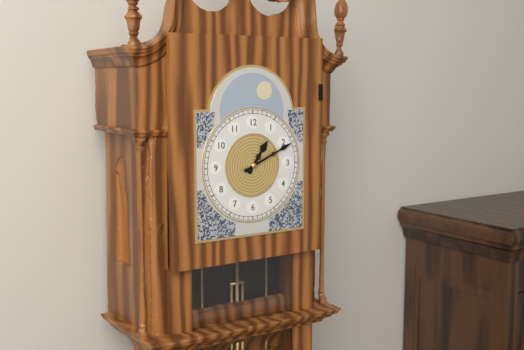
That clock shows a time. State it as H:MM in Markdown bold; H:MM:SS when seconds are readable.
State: **1:11**
